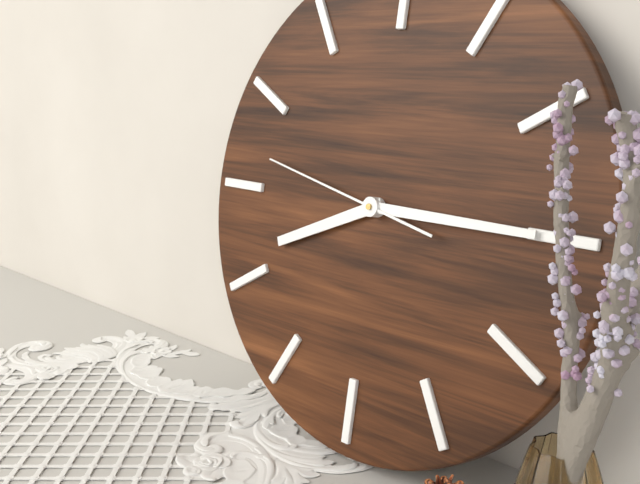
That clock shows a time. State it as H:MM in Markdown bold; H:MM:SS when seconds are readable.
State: **8:15:47**
